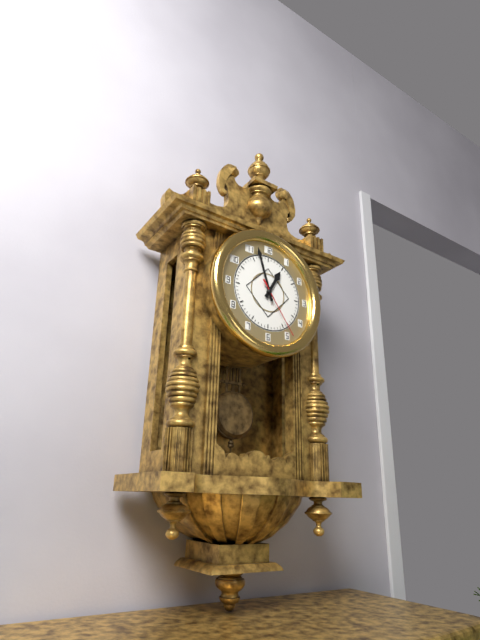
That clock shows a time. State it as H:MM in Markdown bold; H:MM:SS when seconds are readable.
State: **12:57:24**
